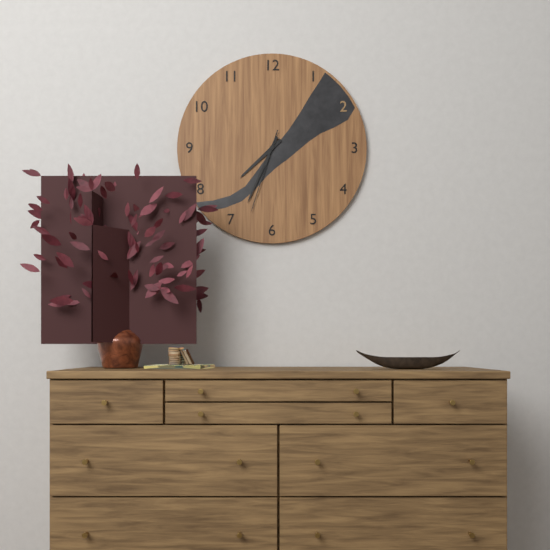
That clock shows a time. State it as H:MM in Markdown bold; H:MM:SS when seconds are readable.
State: **7:34:33**
